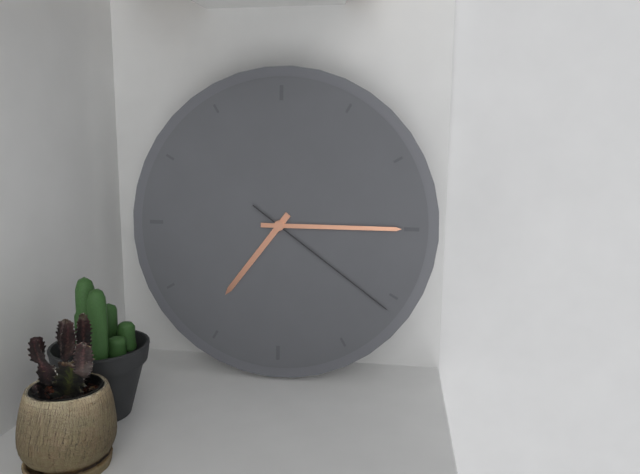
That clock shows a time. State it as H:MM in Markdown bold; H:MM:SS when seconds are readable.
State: **7:15:21**
